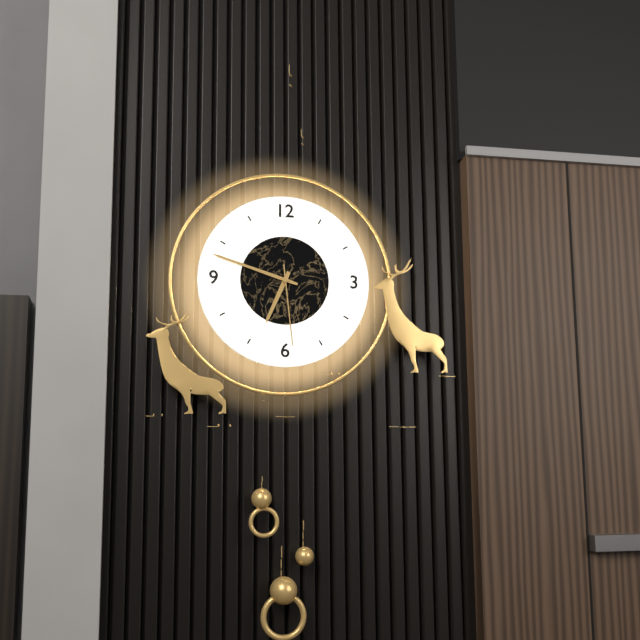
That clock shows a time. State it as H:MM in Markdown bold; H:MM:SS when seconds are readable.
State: **6:48:29**
